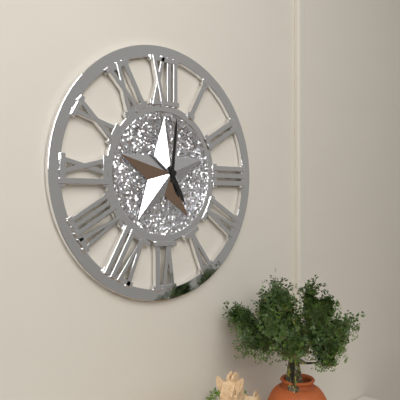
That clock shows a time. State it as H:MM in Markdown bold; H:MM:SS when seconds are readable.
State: **5:01**
